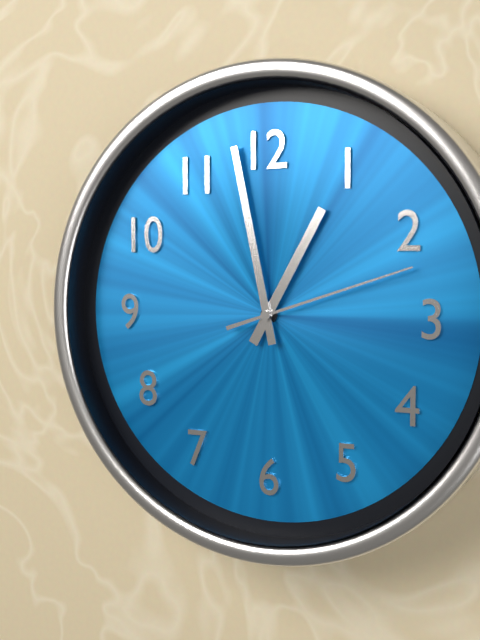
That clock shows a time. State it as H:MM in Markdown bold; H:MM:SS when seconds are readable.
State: **12:58:12**
